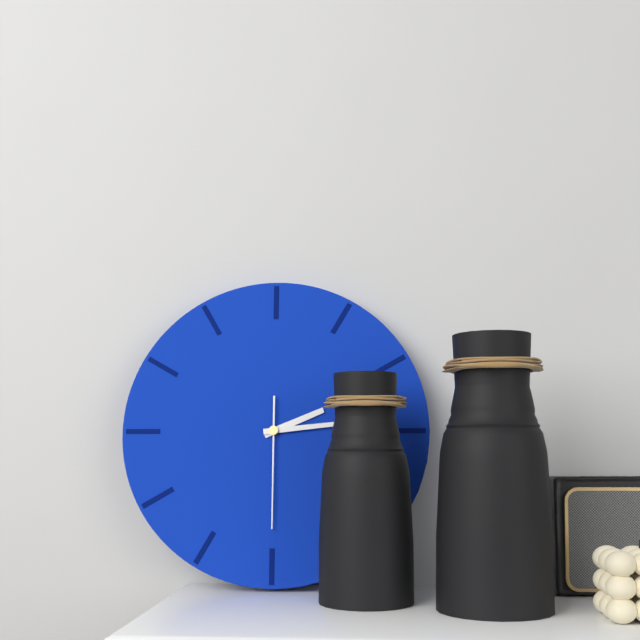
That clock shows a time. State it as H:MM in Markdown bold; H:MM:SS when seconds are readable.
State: **2:14:30**
